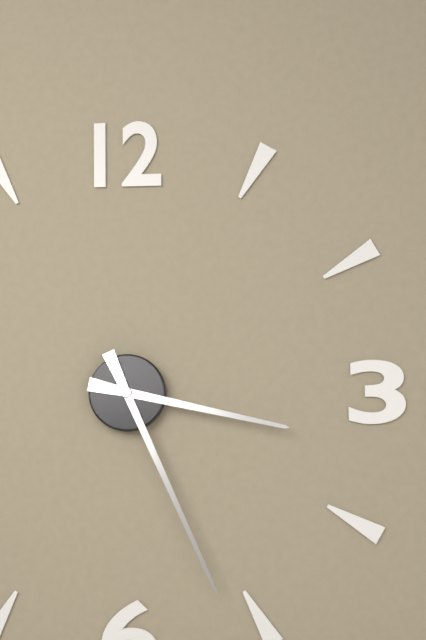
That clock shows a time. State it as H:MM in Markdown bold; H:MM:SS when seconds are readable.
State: **3:26**
